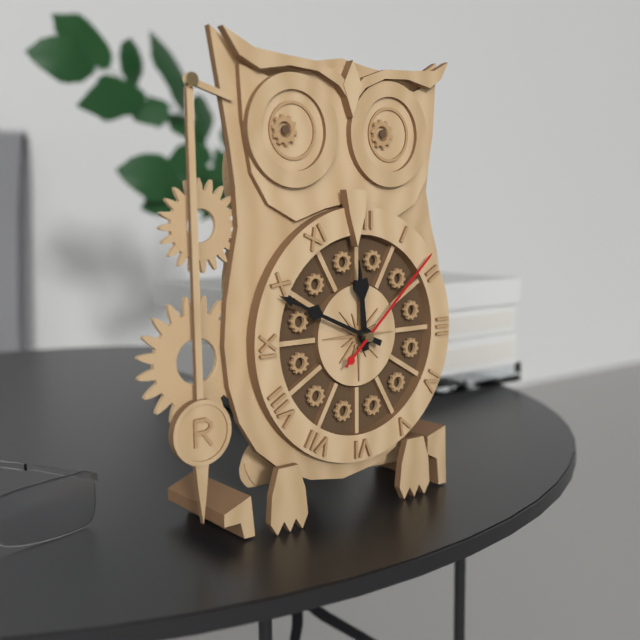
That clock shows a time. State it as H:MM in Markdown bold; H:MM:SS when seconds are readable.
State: **11:49:08**
